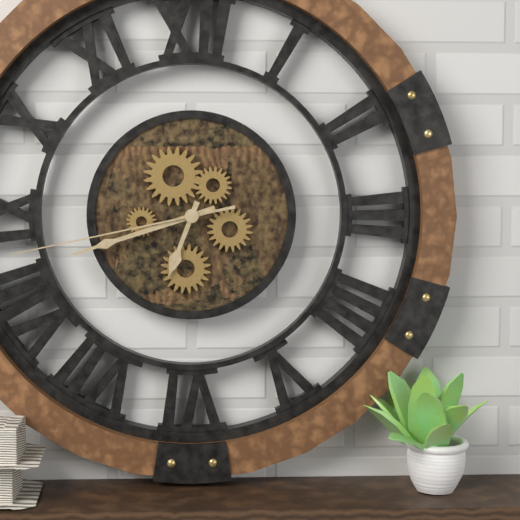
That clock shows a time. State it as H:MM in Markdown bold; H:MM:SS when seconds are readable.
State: **6:42:43**
